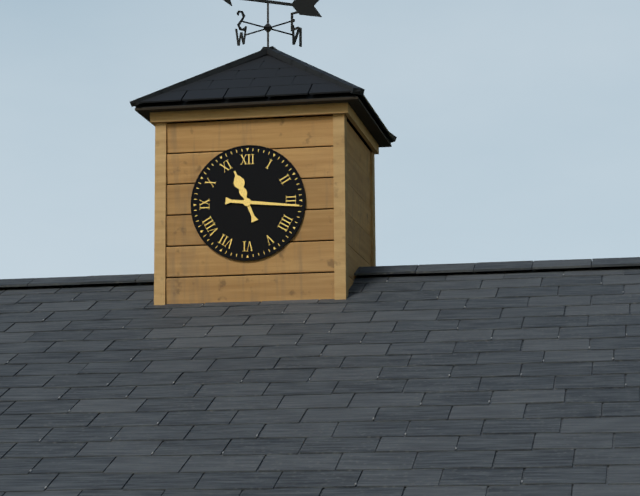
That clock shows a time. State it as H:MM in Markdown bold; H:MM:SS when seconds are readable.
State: **11:16**
